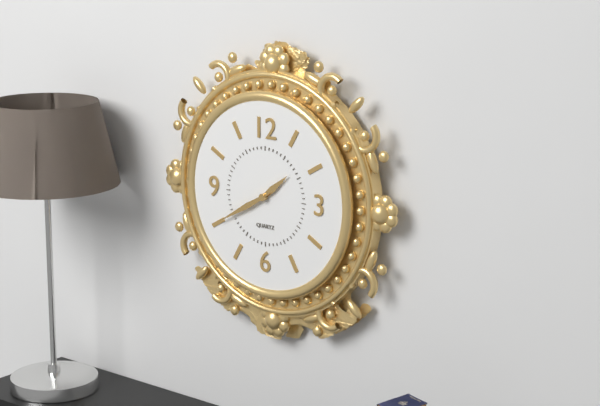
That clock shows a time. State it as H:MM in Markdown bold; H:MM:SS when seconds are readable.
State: **1:40**
